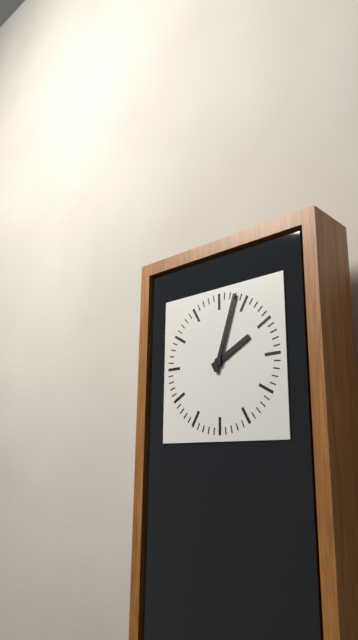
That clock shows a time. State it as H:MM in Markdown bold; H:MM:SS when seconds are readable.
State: **2:03**
